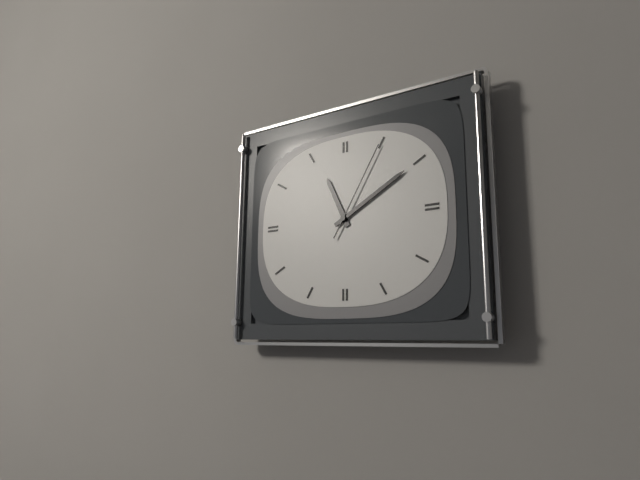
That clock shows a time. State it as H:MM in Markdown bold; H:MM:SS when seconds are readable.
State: **11:10:05**
